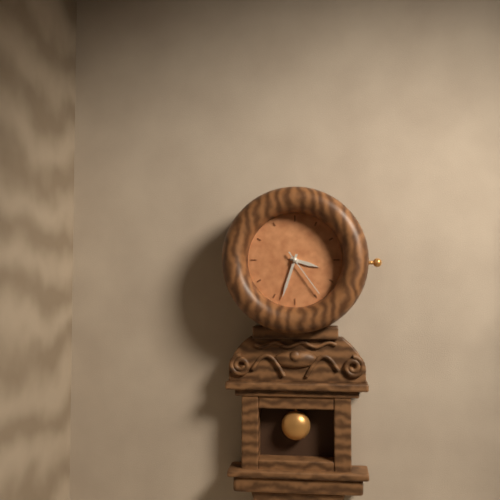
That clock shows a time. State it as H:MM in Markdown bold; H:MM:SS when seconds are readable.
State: **3:33**
